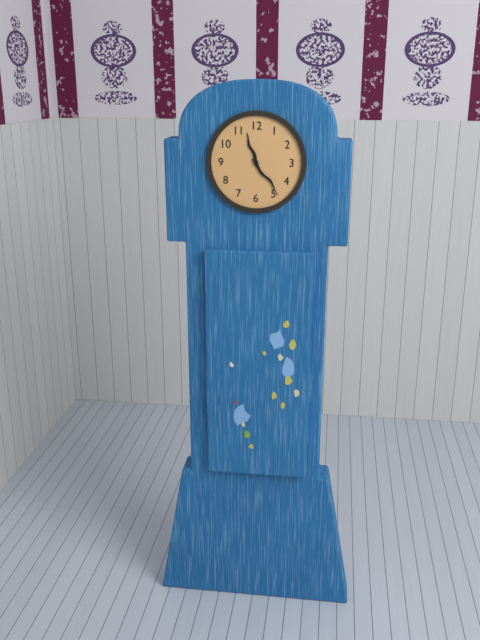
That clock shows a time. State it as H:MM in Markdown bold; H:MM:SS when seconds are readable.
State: **11:24**
